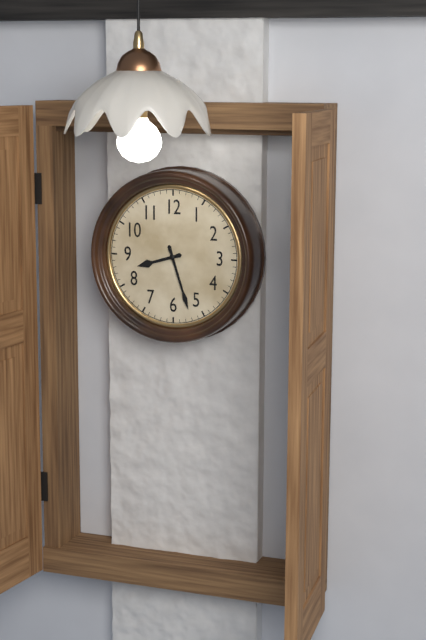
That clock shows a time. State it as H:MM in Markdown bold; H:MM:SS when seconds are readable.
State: **8:27**
